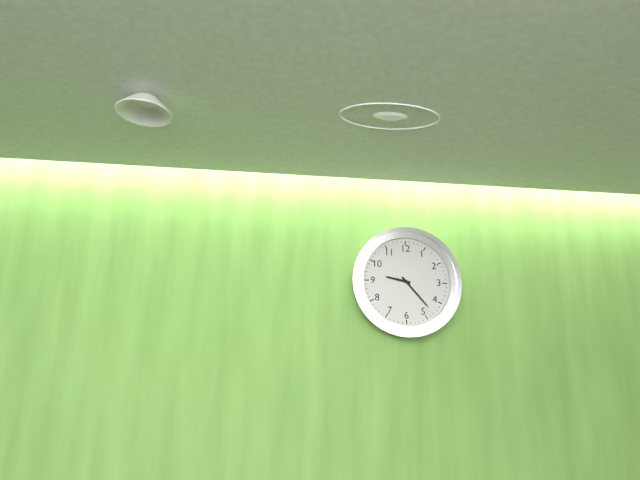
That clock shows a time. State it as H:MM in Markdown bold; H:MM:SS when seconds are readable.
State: **9:23**
